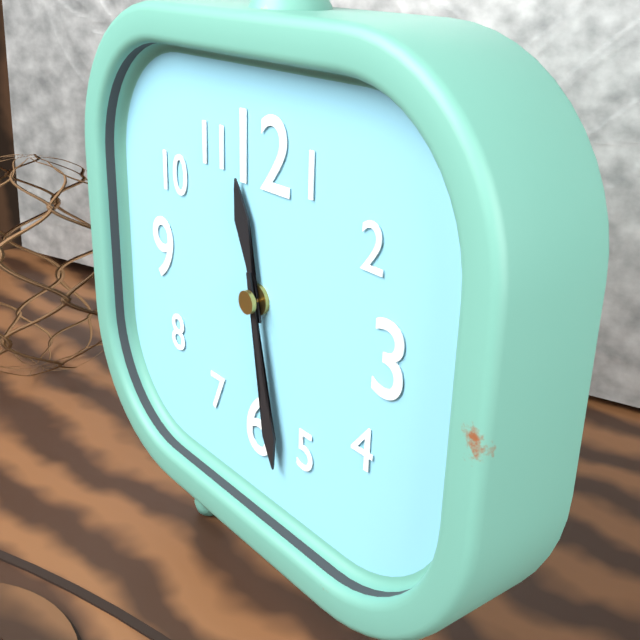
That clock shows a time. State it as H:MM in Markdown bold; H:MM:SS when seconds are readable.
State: **11:28**
